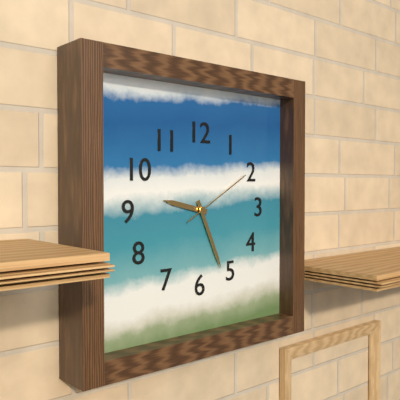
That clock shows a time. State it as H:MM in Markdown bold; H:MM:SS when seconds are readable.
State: **9:26:10**
